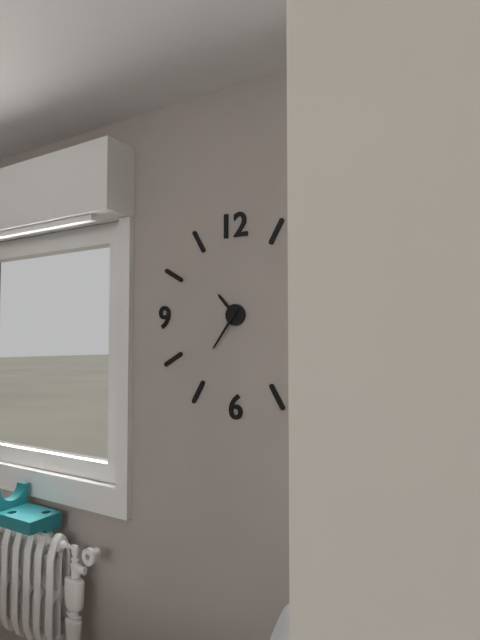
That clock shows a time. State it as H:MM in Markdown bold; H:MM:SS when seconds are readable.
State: **10:36**
